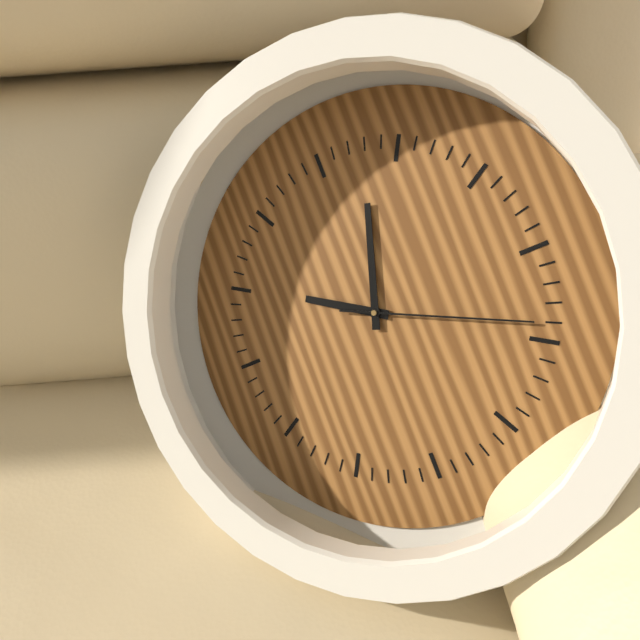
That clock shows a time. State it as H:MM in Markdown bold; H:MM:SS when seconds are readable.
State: **10:03:19**
